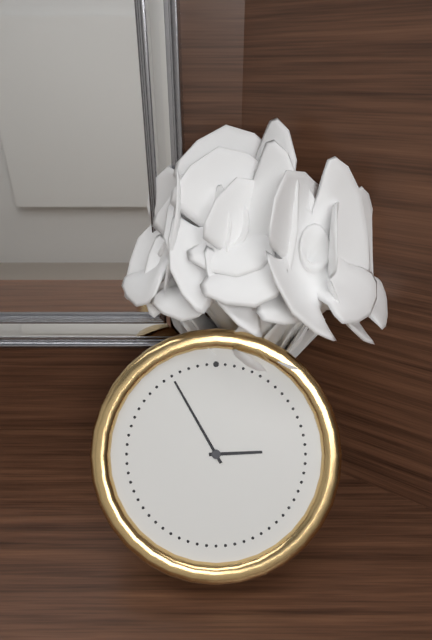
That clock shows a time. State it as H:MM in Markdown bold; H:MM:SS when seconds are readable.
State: **2:55**
